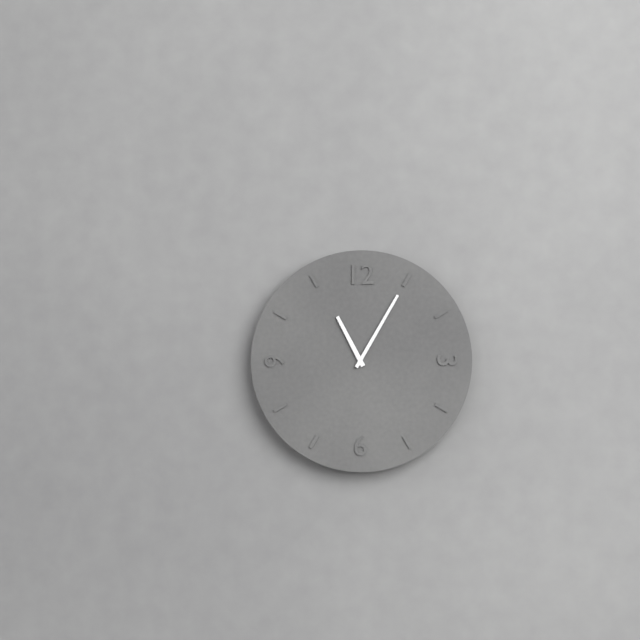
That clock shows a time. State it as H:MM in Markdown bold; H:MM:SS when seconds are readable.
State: **11:05**
